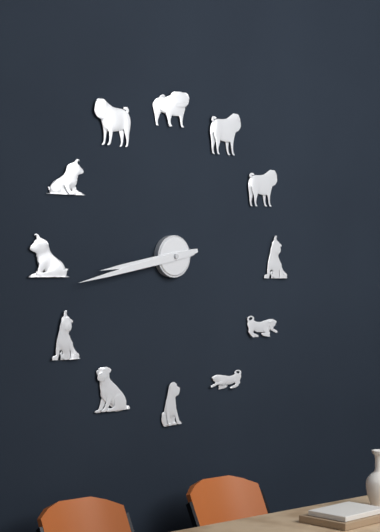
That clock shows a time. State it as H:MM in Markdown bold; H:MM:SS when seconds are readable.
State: **8:43**
